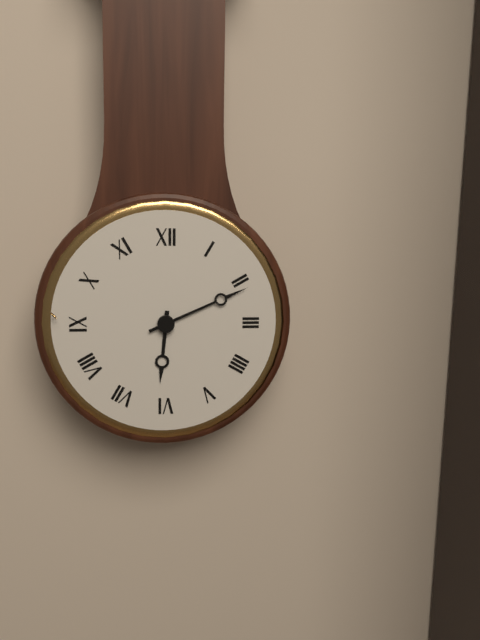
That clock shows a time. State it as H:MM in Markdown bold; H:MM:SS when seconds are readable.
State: **6:11**
